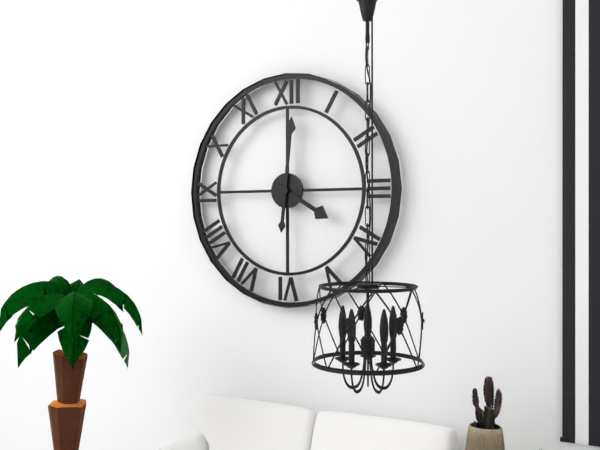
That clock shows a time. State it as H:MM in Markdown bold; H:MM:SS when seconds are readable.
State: **4:01**
